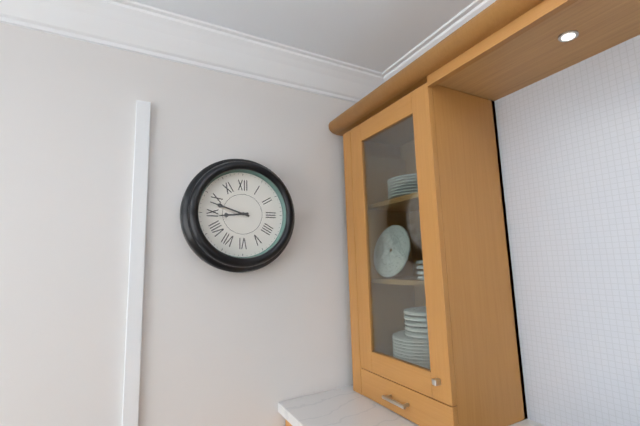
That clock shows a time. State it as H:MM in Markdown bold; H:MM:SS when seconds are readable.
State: **8:48**
